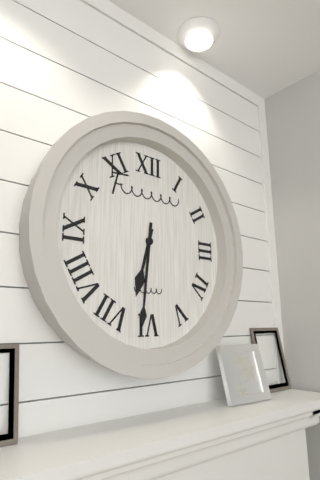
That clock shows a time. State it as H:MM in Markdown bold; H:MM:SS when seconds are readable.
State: **6:31**
